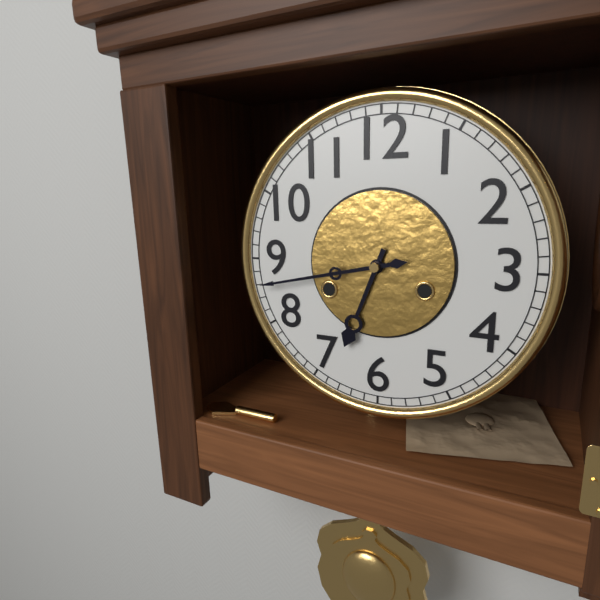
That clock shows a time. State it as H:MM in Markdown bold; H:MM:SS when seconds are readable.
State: **6:43**
